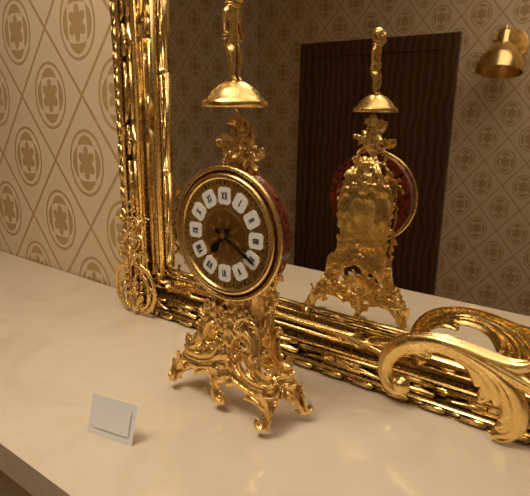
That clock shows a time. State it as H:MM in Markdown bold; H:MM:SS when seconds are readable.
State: **7:20**
